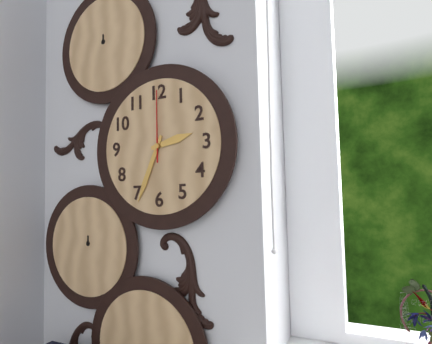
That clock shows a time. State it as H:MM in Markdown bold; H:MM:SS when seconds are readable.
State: **2:34:00**
